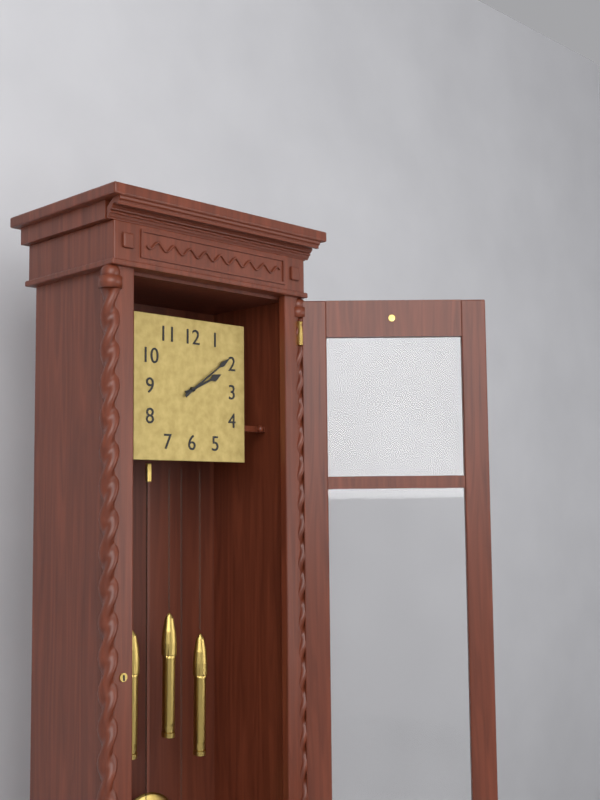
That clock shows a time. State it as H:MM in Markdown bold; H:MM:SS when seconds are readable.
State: **2:09**
